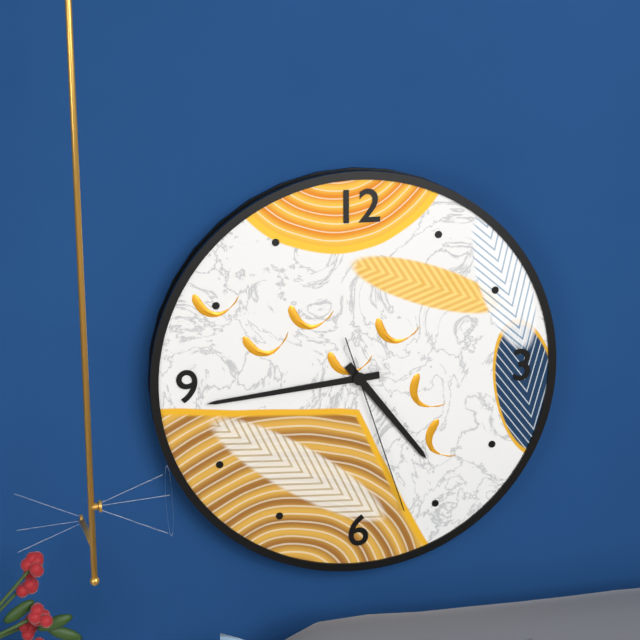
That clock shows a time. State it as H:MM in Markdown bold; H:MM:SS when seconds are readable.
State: **4:44:27**
